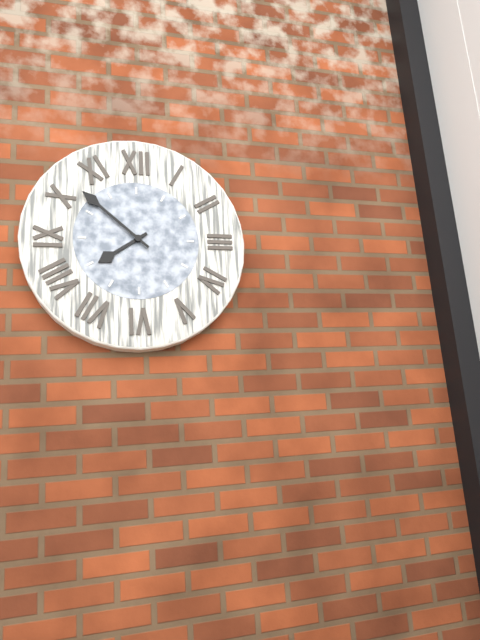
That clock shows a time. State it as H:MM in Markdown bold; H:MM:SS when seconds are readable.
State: **7:52**
